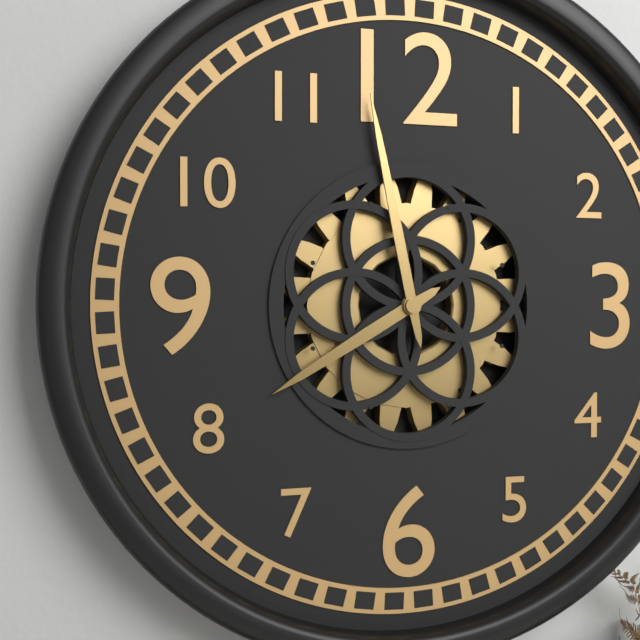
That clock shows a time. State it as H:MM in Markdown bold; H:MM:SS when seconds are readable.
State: **7:58**
